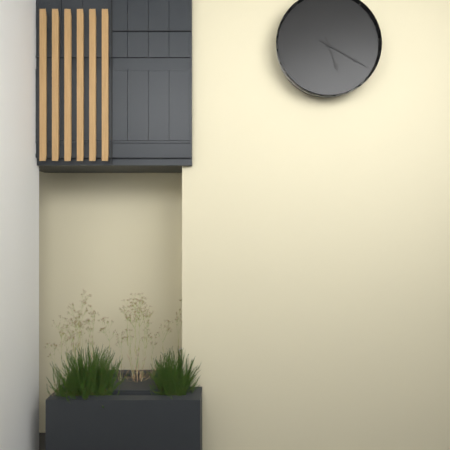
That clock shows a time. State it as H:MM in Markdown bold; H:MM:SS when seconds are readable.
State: **5:20**
